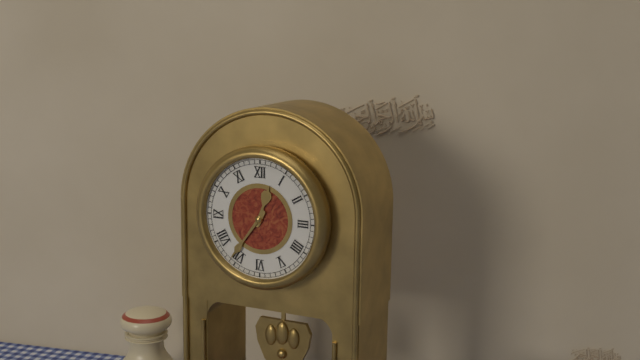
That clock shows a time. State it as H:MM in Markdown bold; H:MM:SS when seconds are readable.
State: **12:36**
